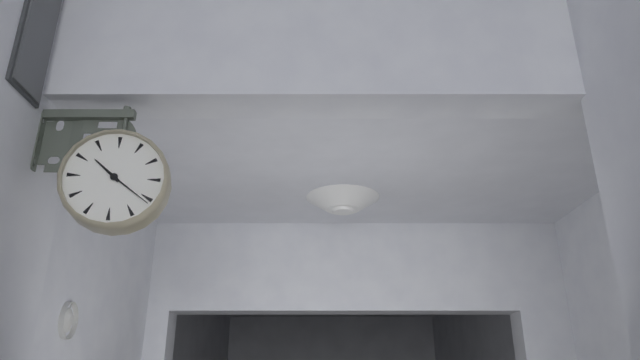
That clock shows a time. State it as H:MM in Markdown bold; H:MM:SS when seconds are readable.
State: **10:21**
